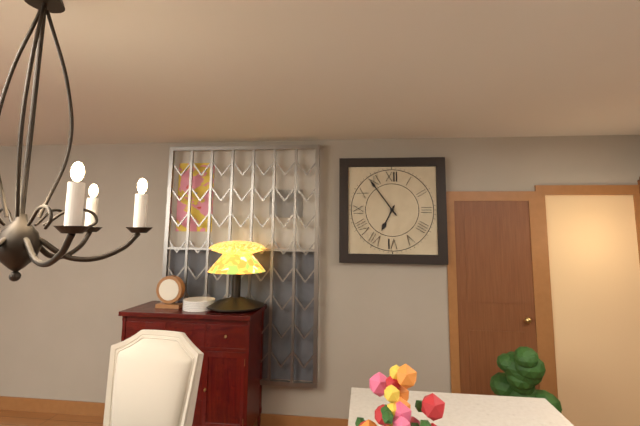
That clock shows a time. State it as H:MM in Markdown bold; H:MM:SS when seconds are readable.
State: **6:54**
